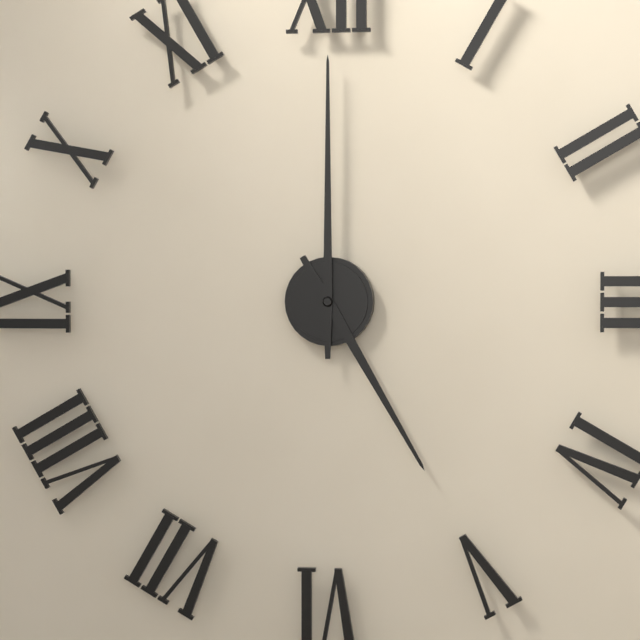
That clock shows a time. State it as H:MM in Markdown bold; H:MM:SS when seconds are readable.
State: **5:00**
